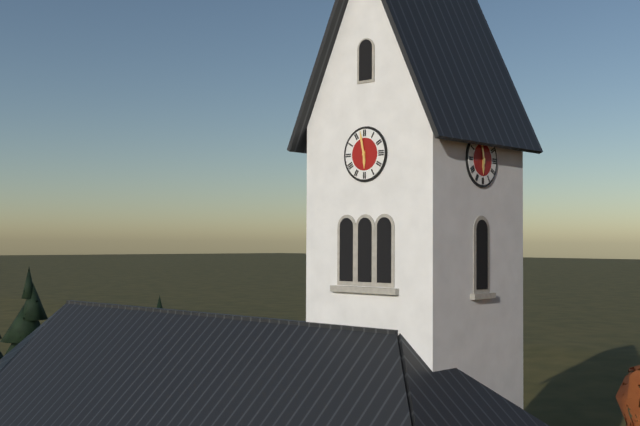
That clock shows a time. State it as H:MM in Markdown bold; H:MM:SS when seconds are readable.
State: **5:58**
